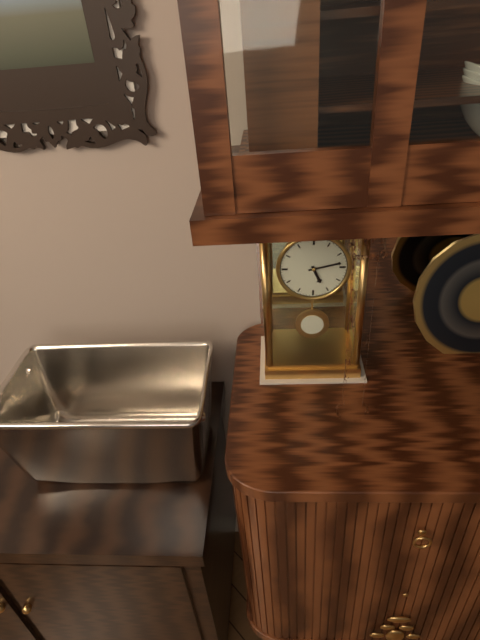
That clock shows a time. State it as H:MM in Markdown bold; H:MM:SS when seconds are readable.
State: **5:13**
